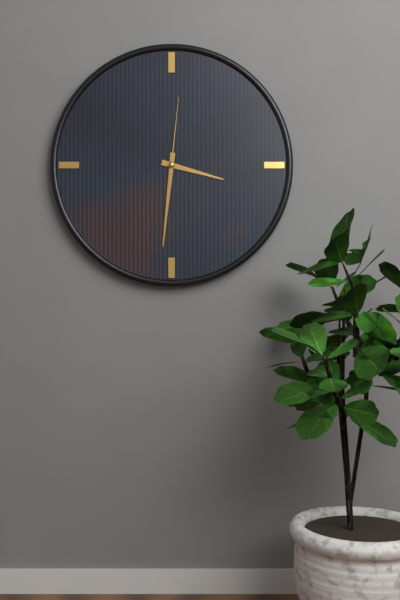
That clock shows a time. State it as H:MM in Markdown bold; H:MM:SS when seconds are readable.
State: **3:31:01**
